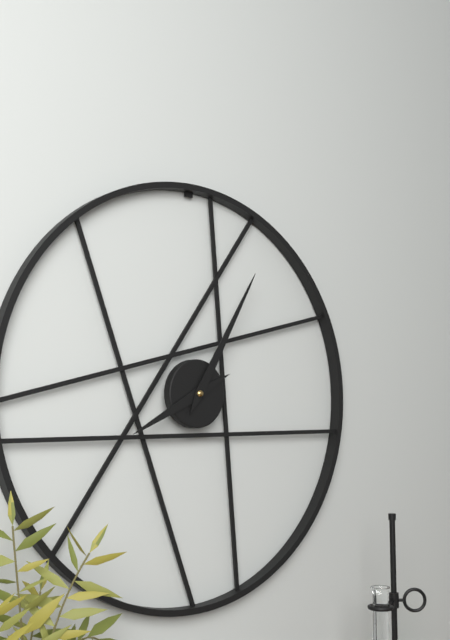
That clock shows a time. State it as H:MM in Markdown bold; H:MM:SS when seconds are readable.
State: **8:05**
